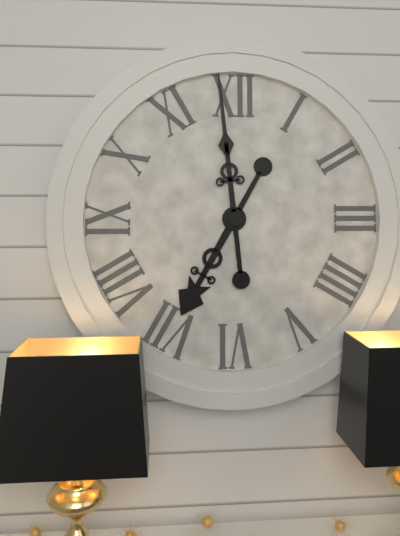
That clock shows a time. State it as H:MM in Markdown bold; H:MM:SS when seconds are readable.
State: **6:59**
